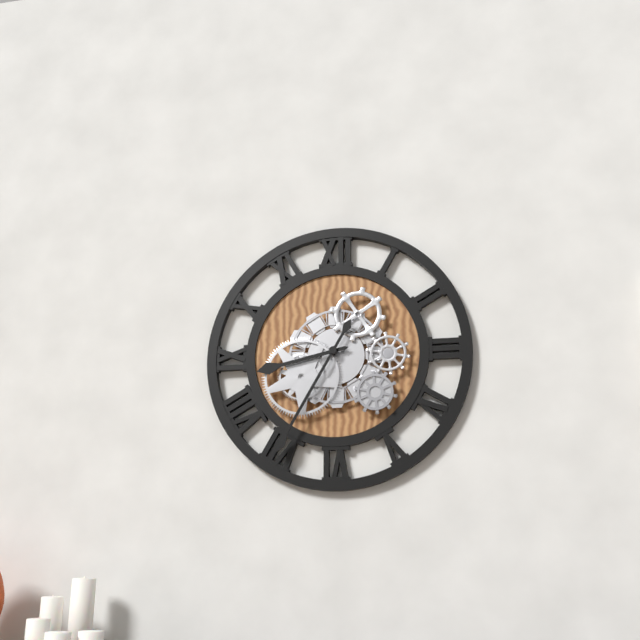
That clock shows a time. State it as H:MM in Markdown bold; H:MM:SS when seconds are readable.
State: **8:35**
